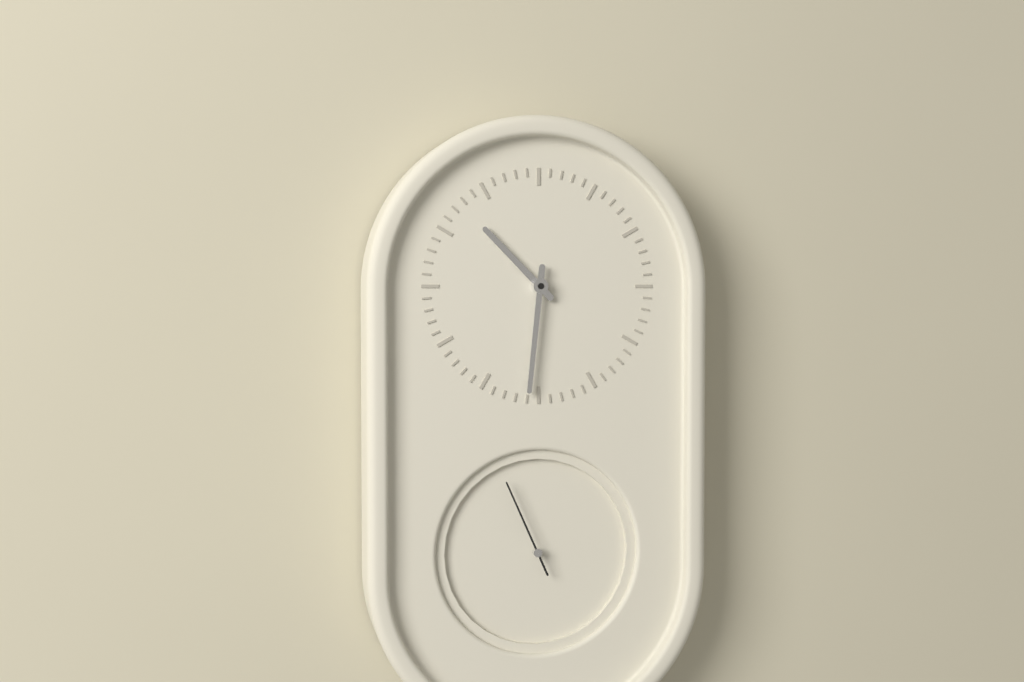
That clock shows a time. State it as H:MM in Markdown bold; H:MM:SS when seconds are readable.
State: **10:31:56**
